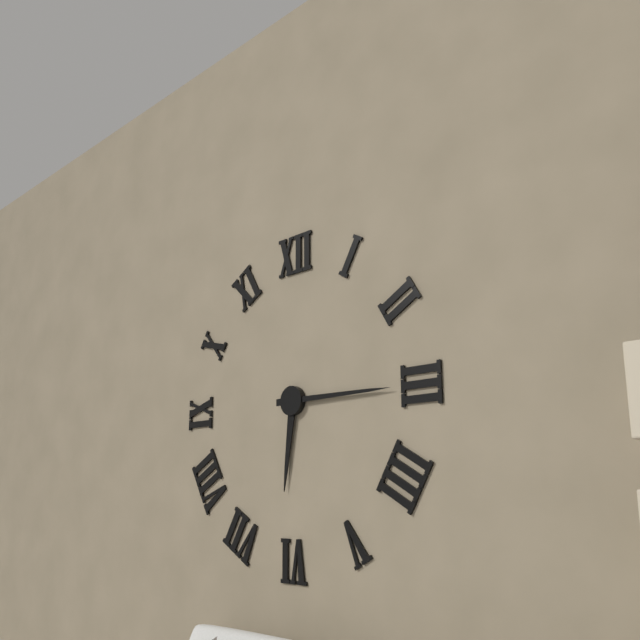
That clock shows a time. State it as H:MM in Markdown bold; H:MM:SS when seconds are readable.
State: **6:15**
